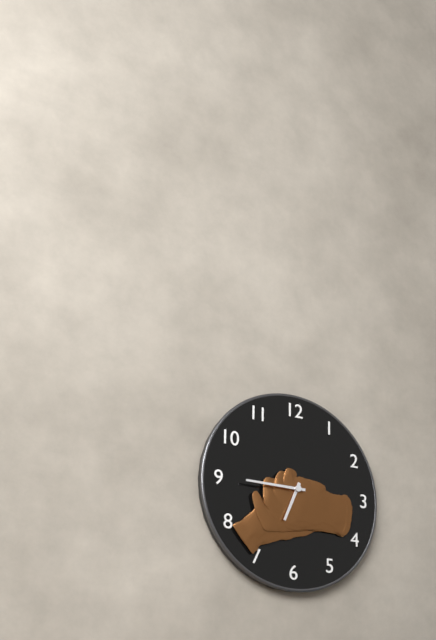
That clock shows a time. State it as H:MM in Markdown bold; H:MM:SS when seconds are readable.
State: **6:45**
